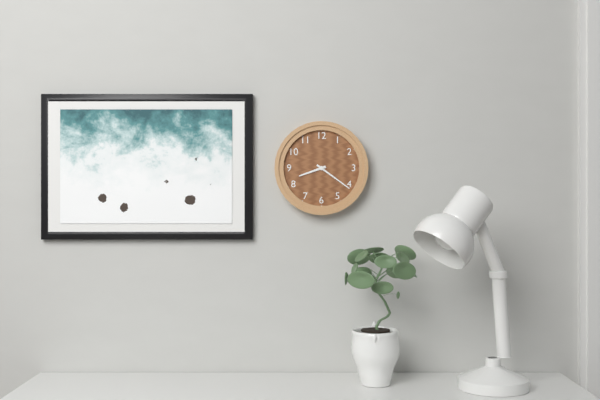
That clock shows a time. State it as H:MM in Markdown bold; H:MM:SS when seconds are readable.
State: **8:21**
